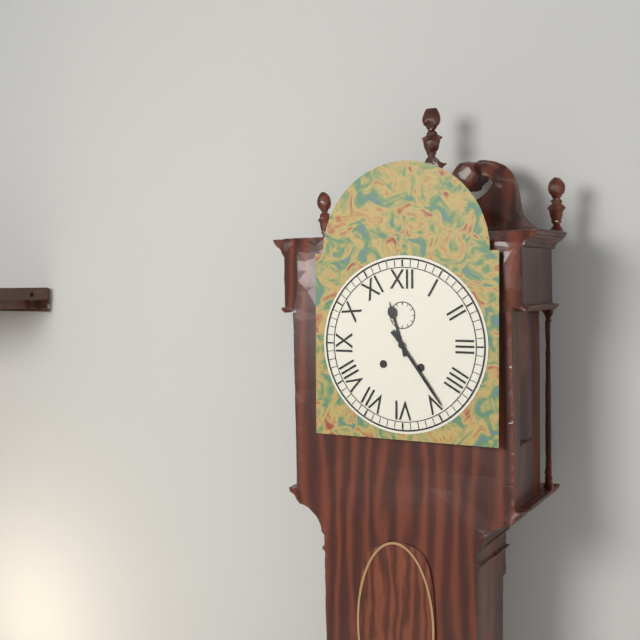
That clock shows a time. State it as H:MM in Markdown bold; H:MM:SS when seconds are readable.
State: **11:24**
